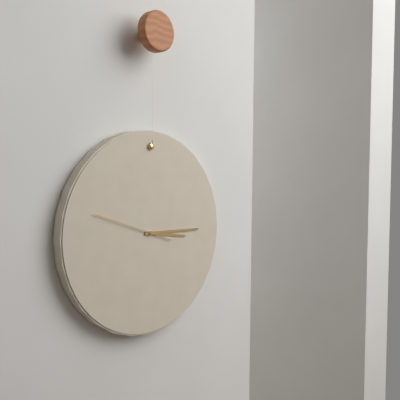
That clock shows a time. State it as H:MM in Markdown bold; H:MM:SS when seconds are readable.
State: **3:15:48**
